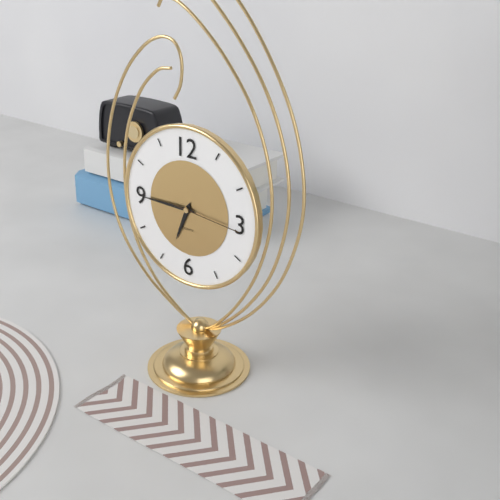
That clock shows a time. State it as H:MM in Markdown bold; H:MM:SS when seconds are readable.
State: **6:45:16**
